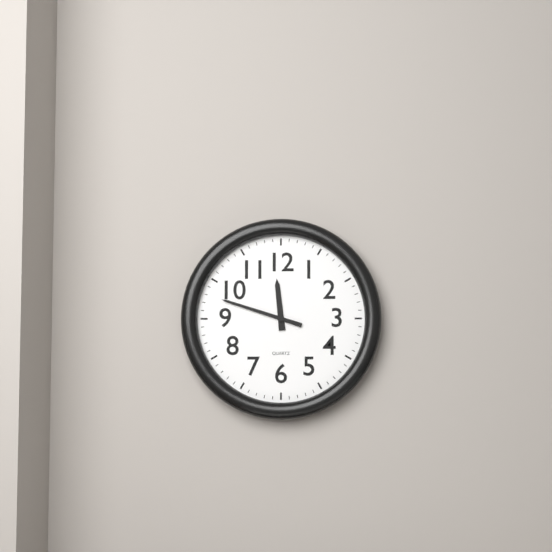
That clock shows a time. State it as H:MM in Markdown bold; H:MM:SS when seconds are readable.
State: **11:48**
